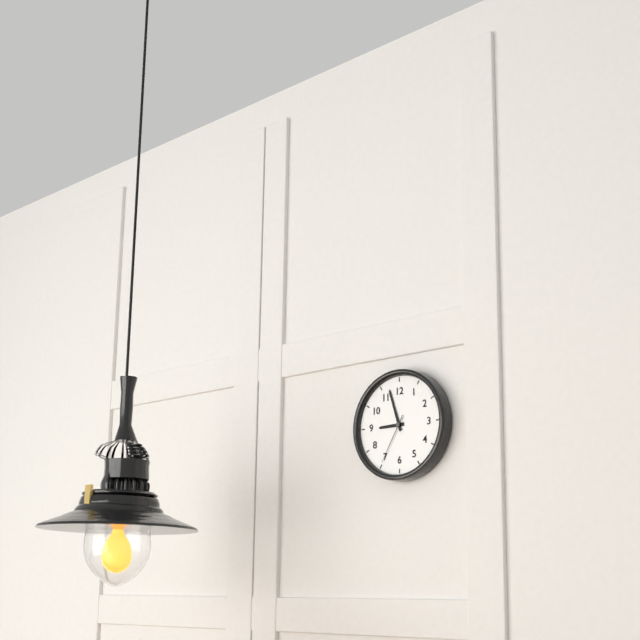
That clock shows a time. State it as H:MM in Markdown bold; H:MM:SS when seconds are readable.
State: **8:57:35**
